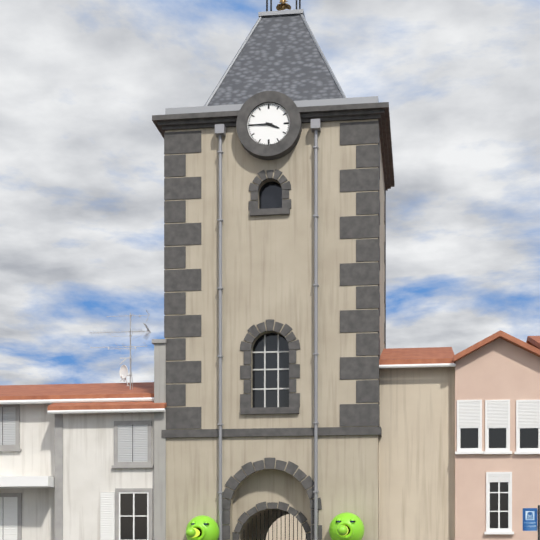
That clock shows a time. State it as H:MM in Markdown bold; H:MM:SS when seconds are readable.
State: **3:45**
